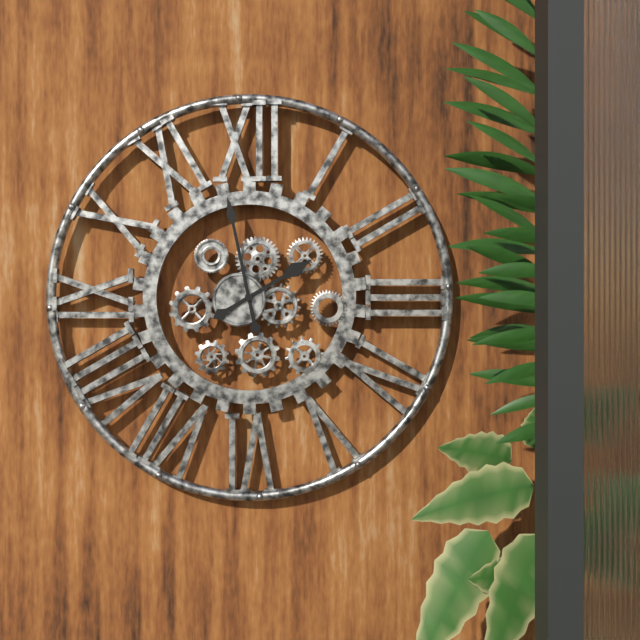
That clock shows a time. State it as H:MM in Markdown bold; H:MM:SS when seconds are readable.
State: **1:58**
